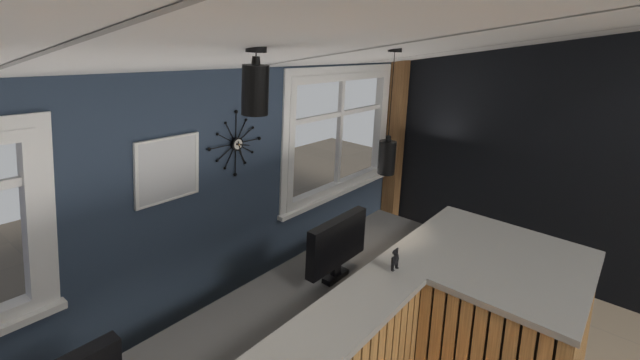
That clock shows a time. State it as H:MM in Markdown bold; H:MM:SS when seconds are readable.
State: **3:27**
